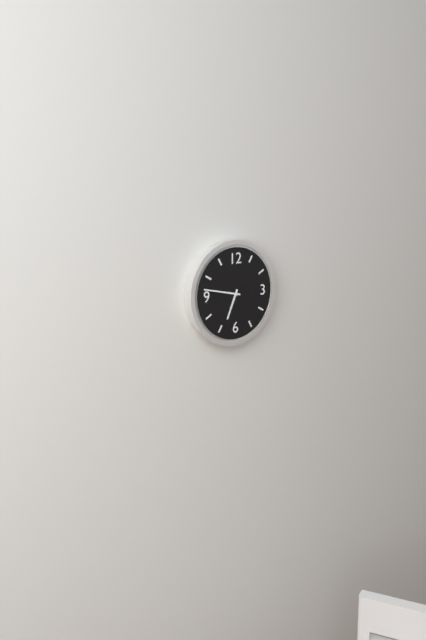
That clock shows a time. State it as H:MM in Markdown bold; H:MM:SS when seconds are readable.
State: **6:47**
